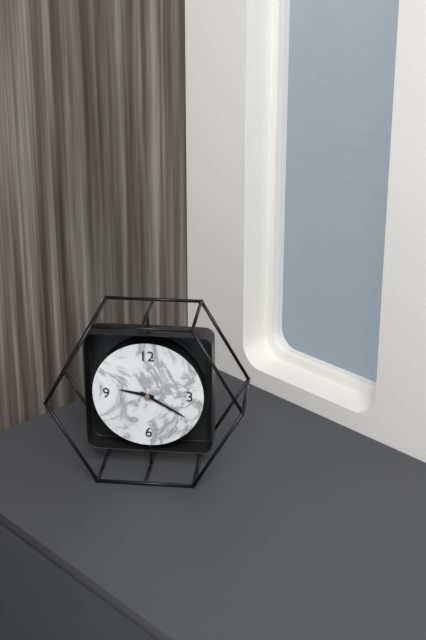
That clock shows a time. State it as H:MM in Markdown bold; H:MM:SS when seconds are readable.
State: **9:20**
